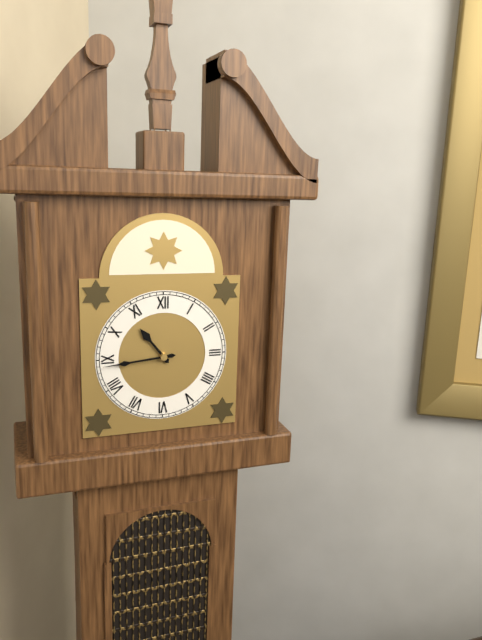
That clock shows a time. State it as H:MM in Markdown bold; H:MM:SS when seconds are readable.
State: **10:44**
